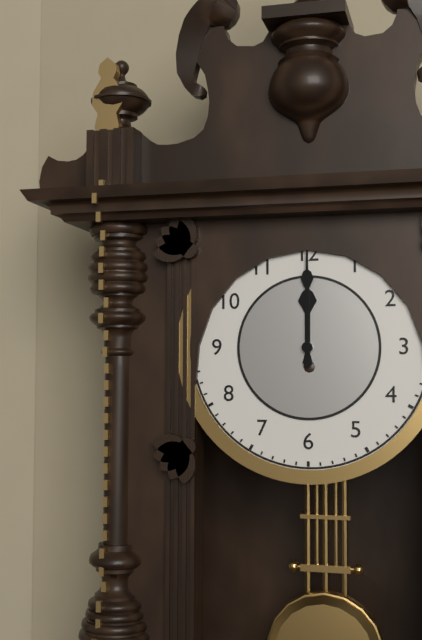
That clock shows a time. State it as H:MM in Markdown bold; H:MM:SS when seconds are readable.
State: **12:00**
